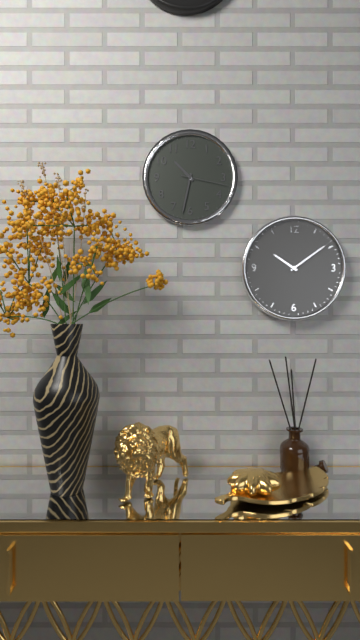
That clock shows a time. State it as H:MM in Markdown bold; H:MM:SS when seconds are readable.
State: **10:32**
